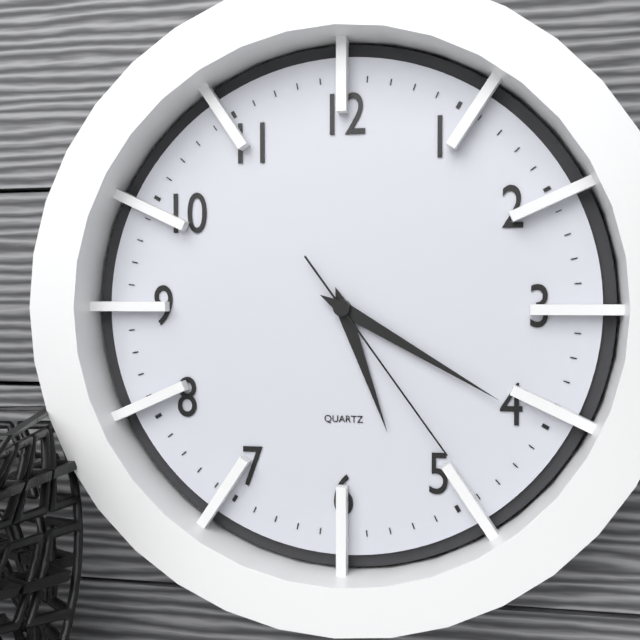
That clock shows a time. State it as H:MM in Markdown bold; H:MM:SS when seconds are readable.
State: **5:20:24**
